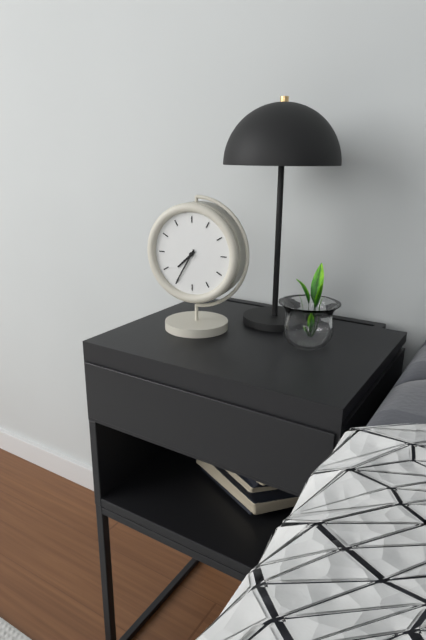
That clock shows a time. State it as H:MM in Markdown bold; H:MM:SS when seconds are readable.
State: **7:35**
